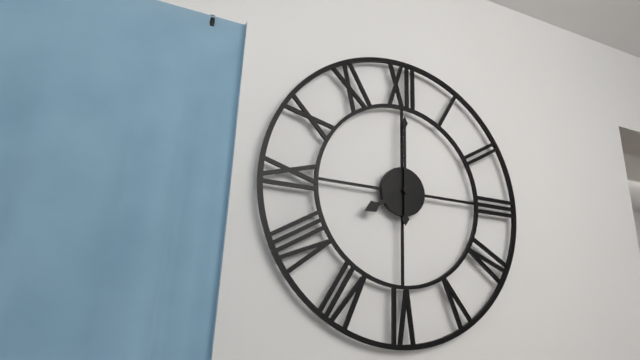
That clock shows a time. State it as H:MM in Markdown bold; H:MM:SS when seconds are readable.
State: **8:00**
